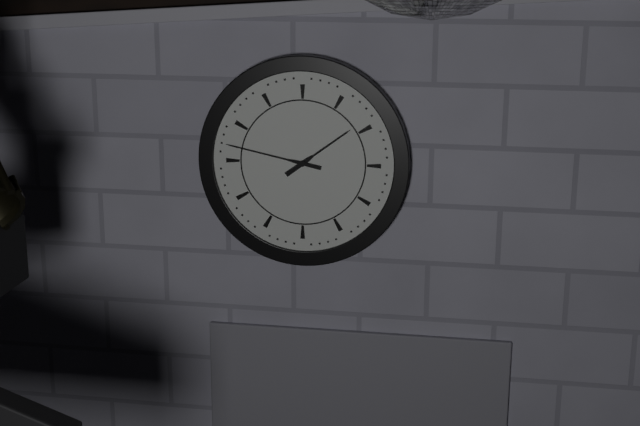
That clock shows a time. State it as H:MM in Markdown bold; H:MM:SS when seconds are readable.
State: **1:47**
